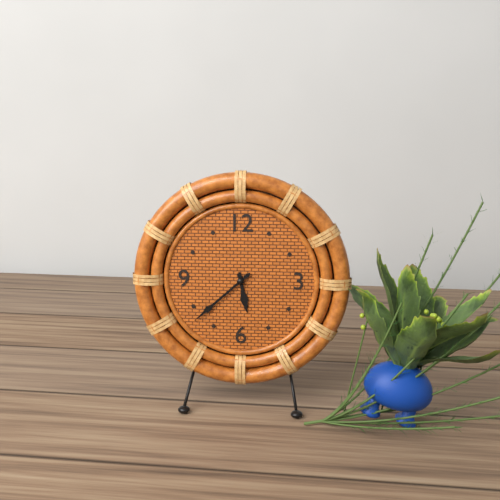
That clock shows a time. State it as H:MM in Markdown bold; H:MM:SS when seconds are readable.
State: **5:38**
